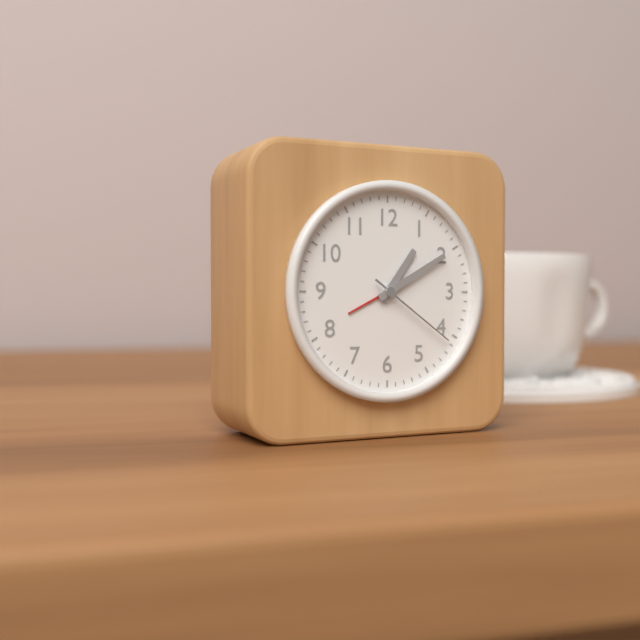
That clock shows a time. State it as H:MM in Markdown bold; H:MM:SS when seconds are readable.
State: **1:10:21**
